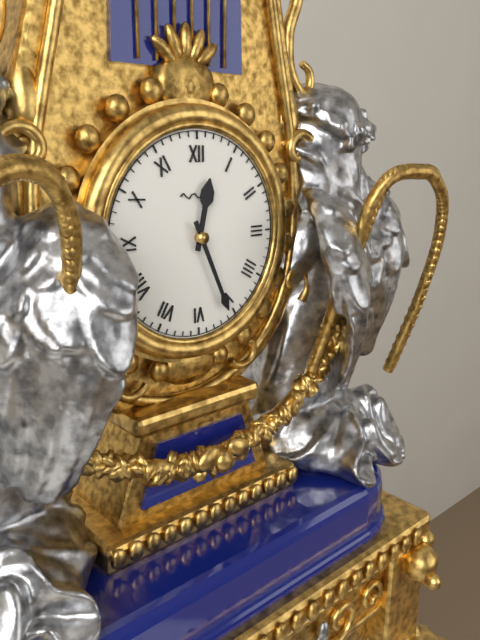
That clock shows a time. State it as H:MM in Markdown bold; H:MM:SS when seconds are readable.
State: **12:26**
